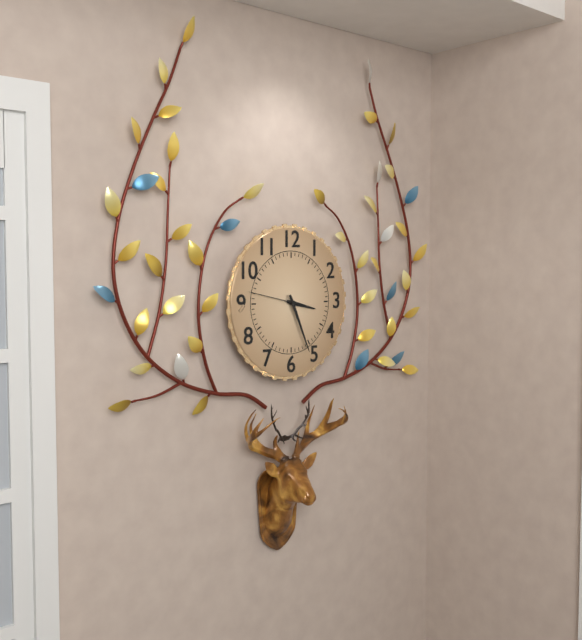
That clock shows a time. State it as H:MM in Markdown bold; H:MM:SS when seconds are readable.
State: **3:26:47**
